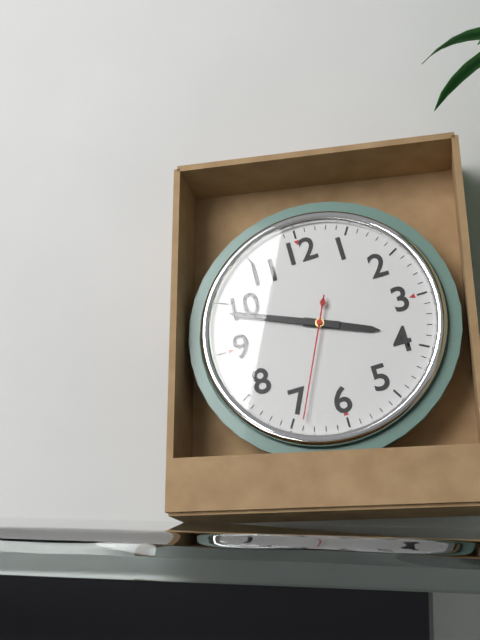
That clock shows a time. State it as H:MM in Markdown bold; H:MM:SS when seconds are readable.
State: **3:49:34**
